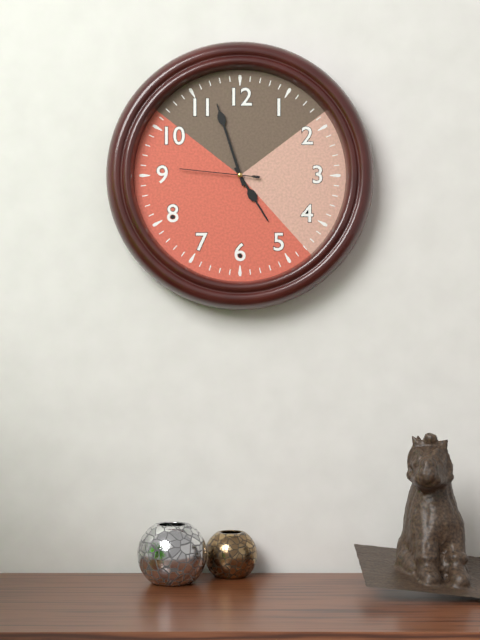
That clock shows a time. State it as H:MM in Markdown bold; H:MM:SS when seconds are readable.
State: **4:57:46**
